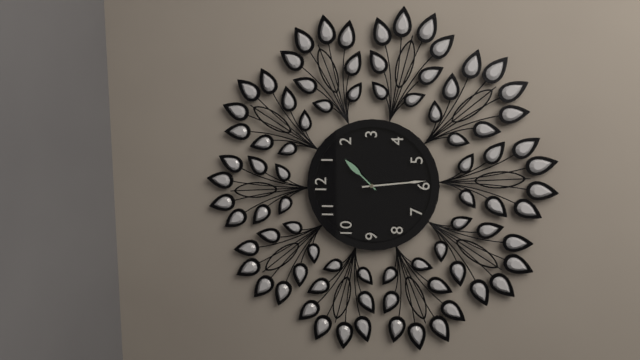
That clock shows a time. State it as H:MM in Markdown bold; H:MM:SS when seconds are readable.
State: **1:29**
